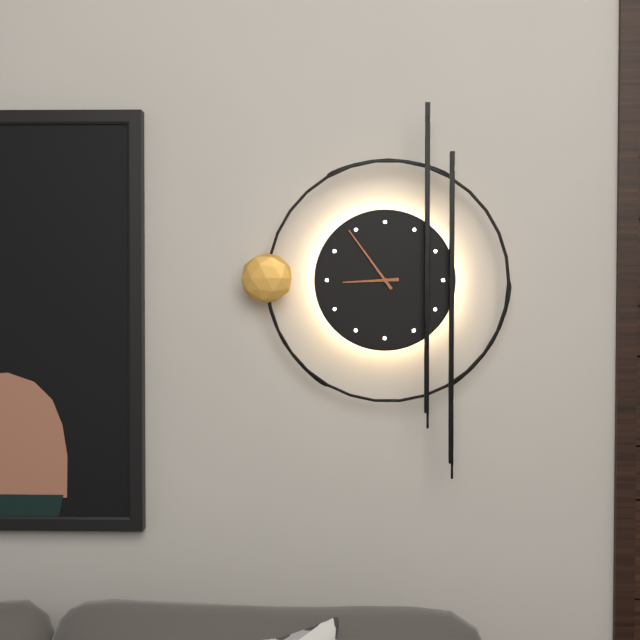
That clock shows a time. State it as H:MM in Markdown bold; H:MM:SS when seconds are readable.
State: **8:54**
